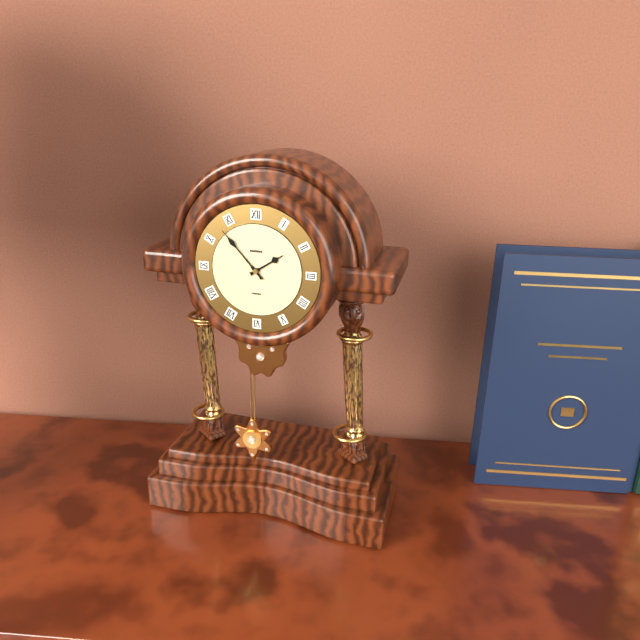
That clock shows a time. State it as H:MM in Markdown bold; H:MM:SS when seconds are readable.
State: **1:53**
